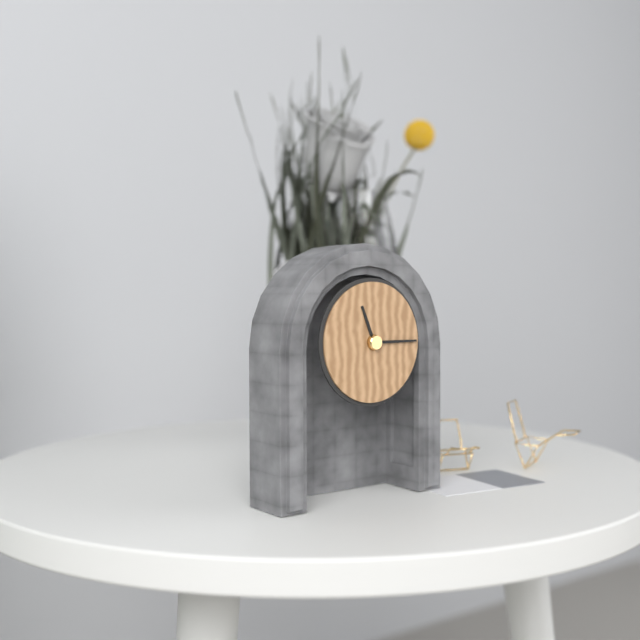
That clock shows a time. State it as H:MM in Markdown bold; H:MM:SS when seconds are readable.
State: **11:15**
